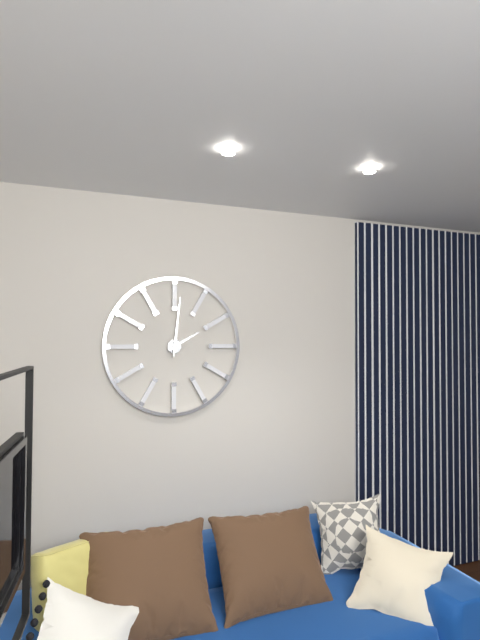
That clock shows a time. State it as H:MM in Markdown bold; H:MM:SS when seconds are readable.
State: **2:01**
